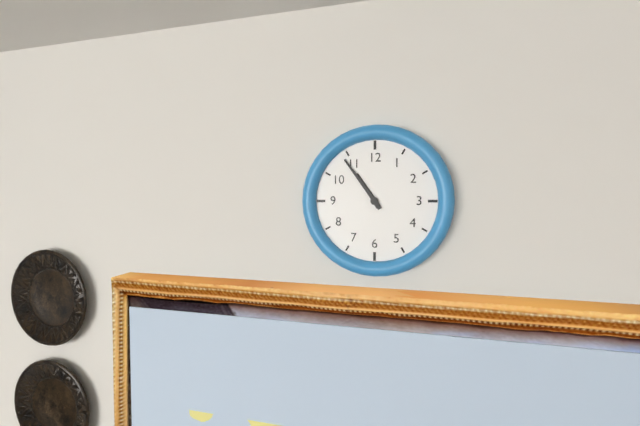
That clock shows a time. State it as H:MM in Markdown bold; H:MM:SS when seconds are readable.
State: **10:54**
